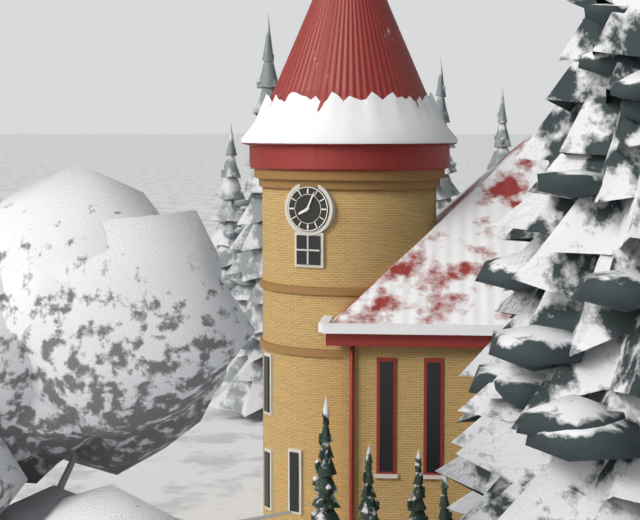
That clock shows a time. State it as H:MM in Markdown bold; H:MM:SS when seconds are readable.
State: **8:04**
